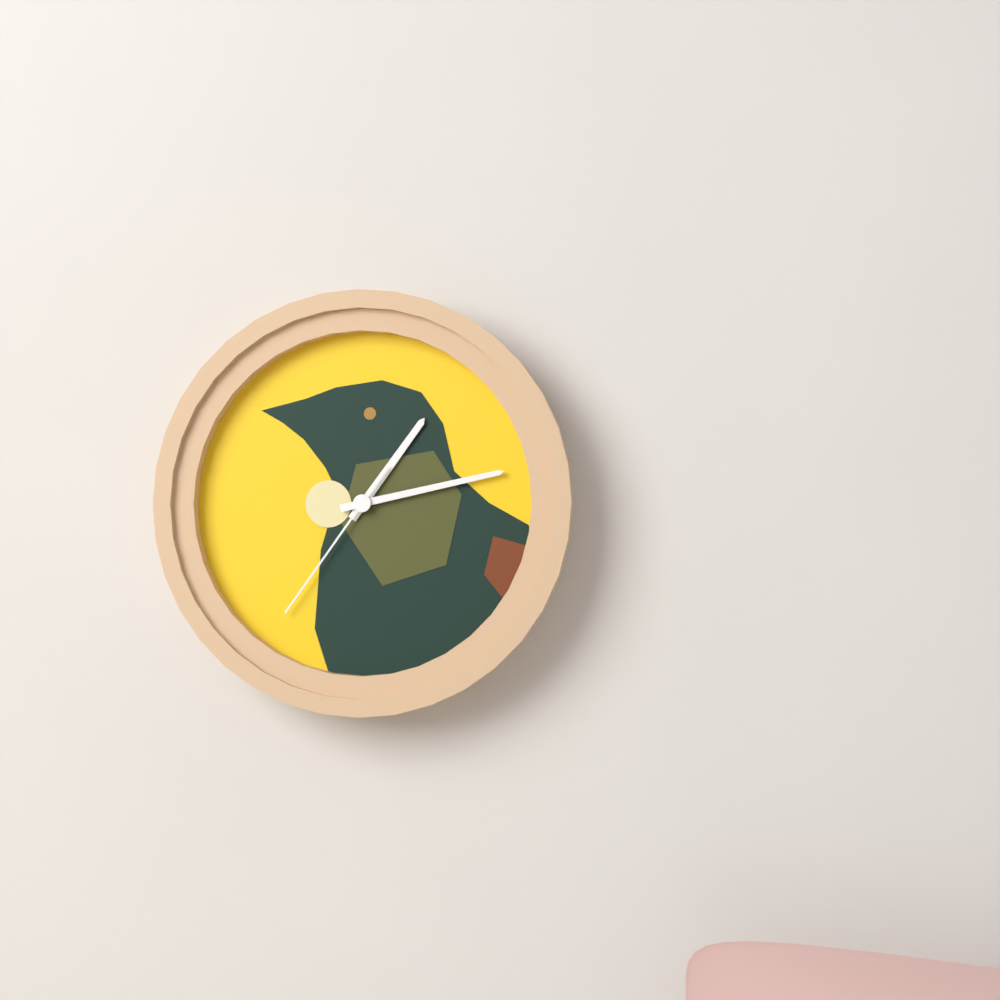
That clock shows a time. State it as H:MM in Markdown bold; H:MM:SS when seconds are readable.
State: **1:13:36**
